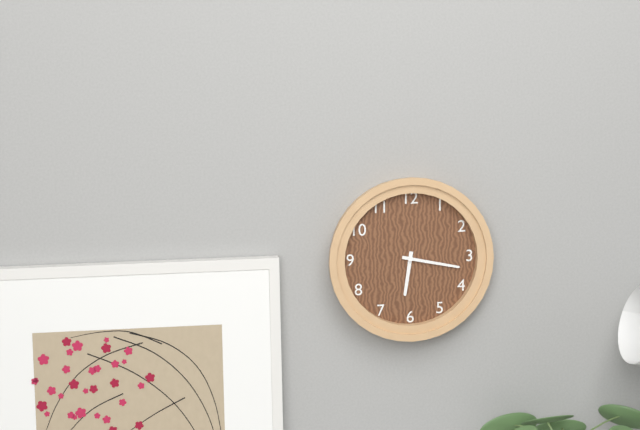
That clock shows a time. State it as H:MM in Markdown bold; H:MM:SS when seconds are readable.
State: **6:17**
